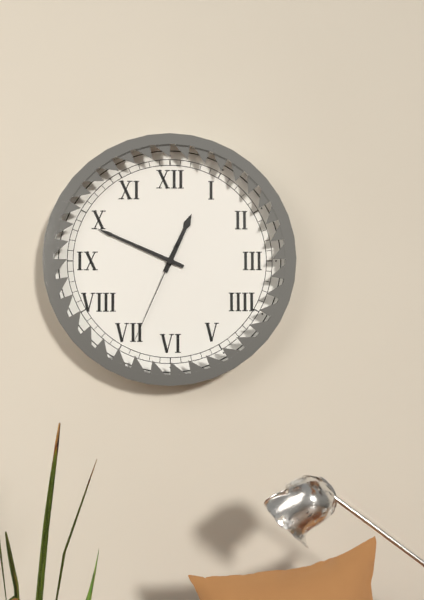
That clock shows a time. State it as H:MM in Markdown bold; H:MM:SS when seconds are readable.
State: **12:49:34**
